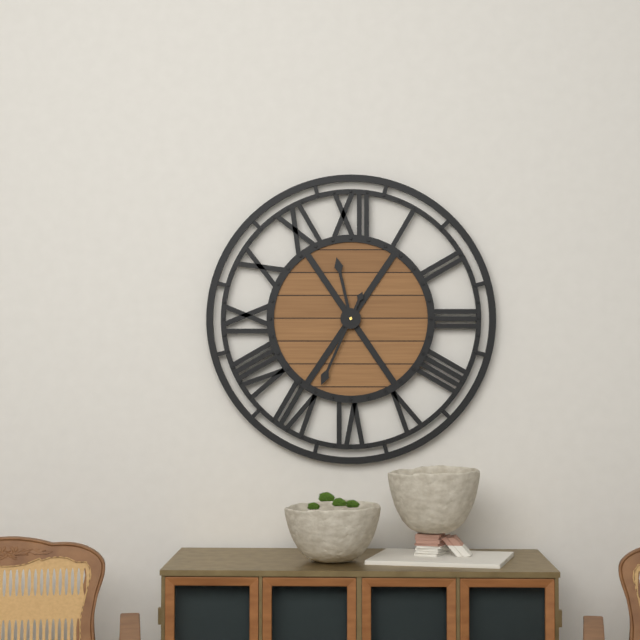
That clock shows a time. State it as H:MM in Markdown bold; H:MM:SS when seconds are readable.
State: **11:34**
